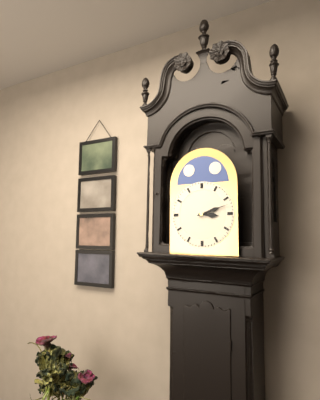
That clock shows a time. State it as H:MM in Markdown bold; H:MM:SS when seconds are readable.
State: **3:12**
